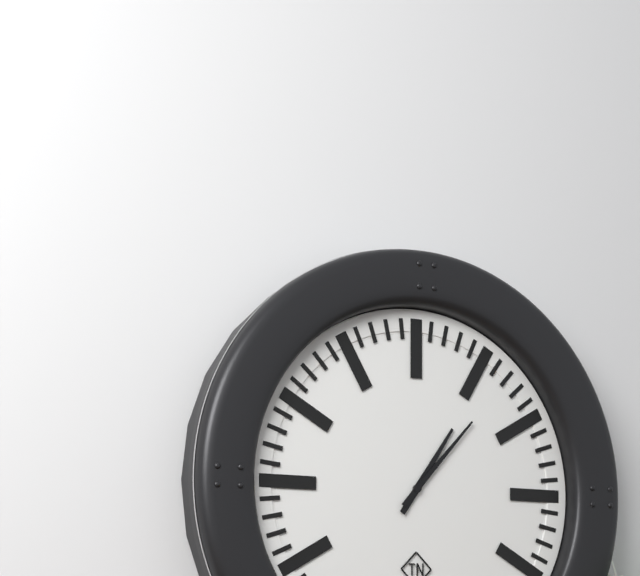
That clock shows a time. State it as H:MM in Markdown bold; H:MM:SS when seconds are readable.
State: **1:07**
